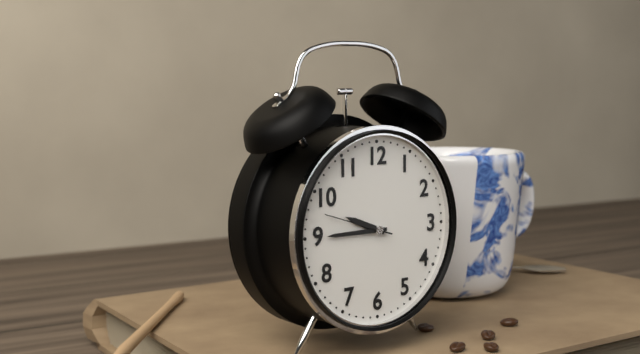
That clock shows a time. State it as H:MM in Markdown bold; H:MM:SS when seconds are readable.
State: **9:45:48**
